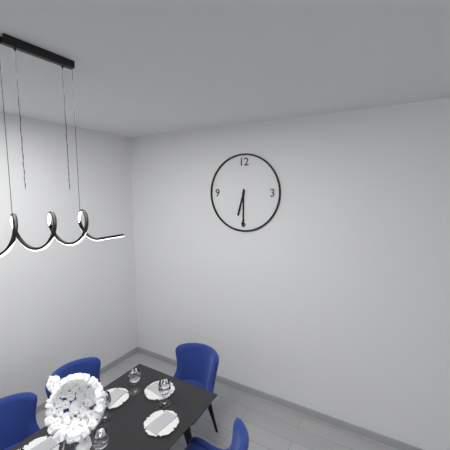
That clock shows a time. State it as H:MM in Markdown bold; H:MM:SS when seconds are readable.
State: **6:30**
